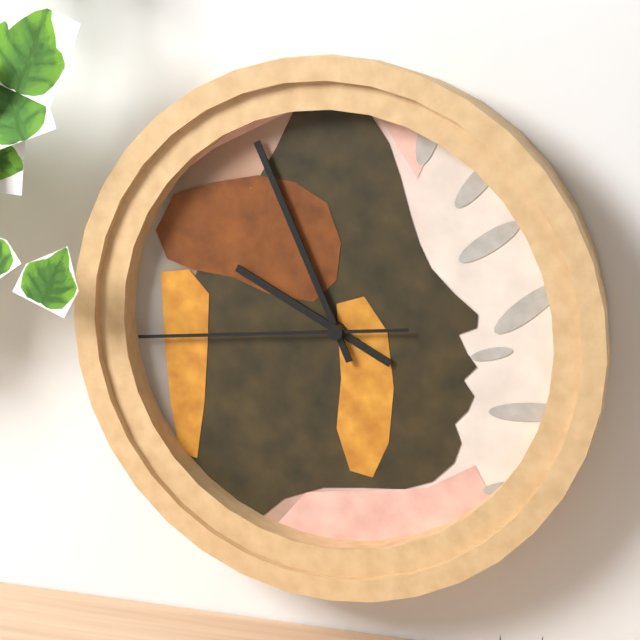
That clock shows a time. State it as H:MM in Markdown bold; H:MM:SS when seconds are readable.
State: **9:56:44**
